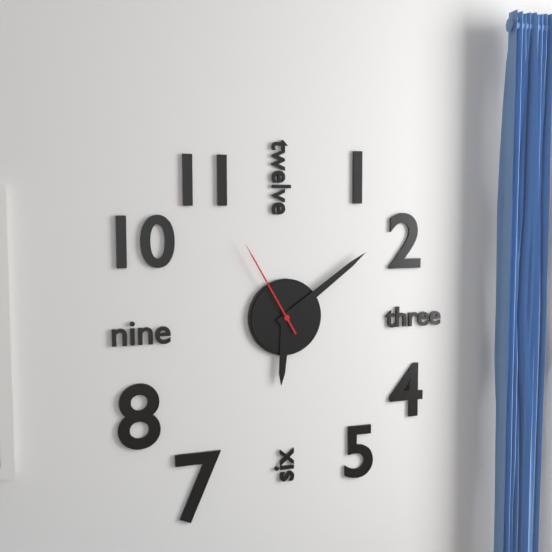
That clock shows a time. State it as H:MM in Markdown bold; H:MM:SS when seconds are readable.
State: **6:09:55**
